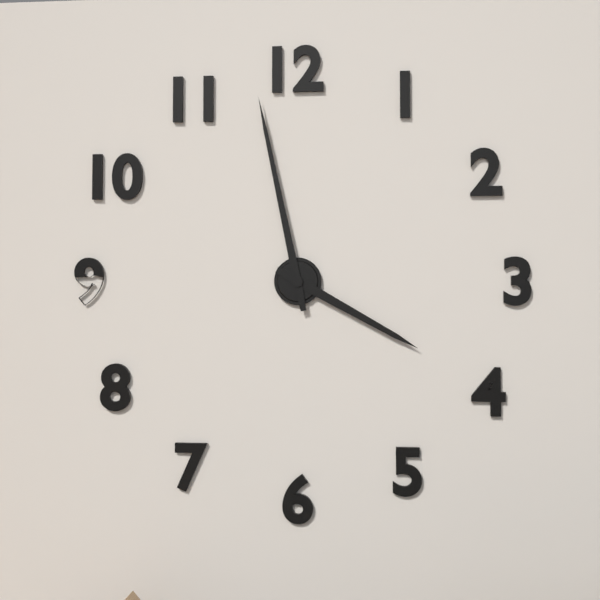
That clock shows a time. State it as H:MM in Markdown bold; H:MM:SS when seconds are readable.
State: **3:58**
